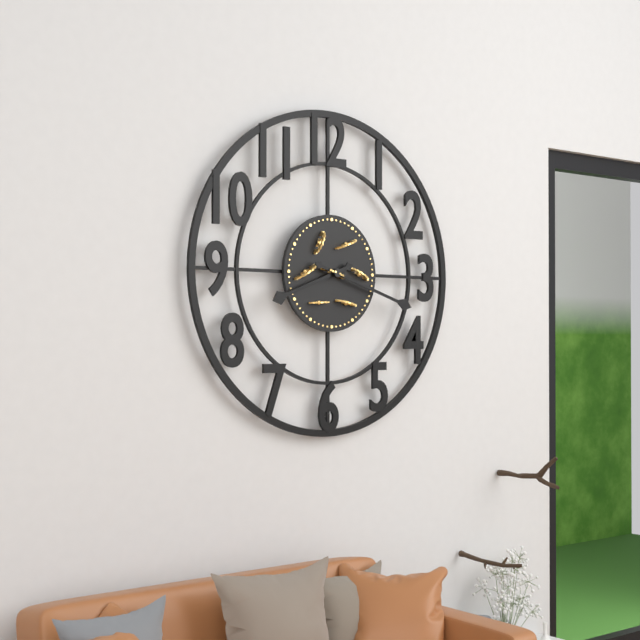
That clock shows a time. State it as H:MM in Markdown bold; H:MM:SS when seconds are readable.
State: **8:18**
